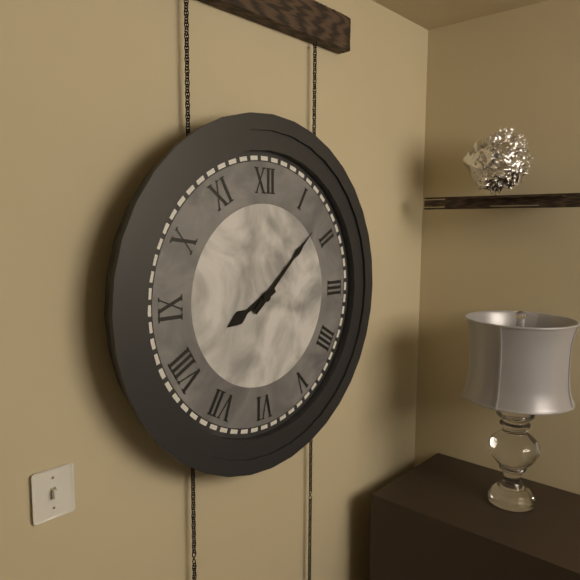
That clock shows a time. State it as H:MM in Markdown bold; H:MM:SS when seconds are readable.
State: **8:08**
